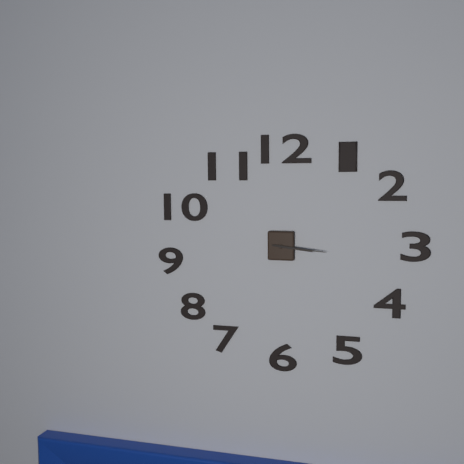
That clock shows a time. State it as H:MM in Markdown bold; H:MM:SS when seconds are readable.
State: **3:16**
